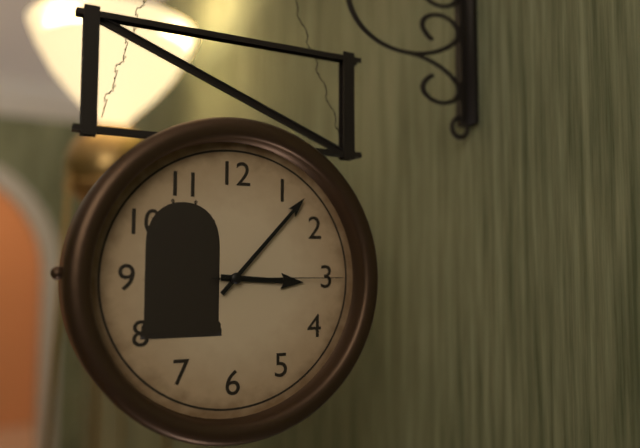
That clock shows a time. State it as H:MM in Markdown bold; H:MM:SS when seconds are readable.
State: **3:07:15**
